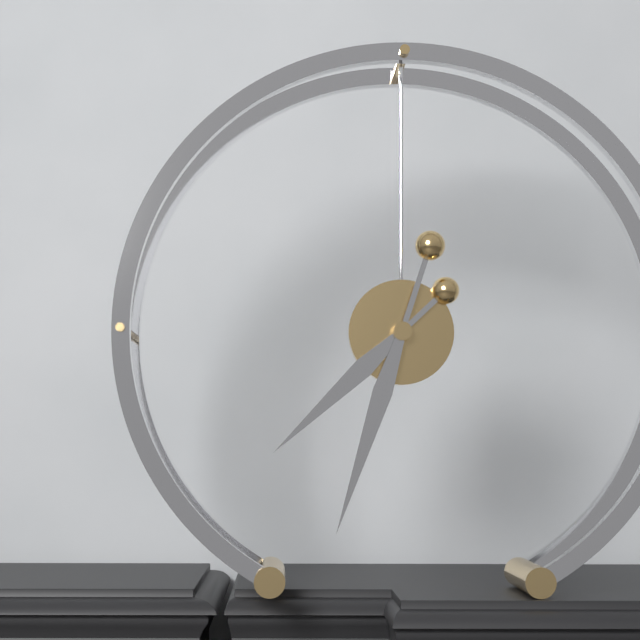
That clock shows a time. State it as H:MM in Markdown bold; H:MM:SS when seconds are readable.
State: **7:33**
